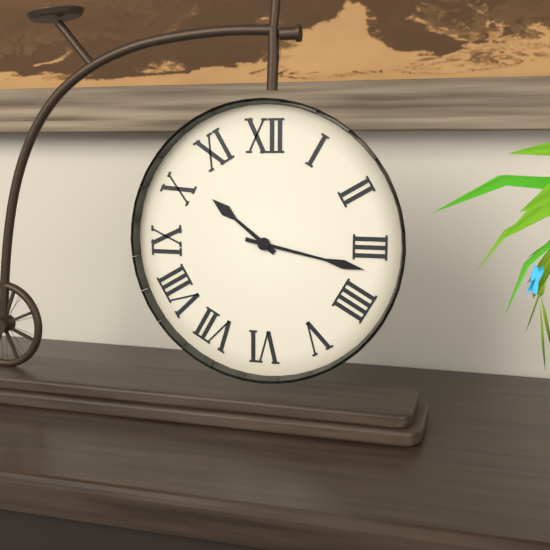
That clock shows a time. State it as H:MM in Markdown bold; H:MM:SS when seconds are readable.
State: **10:17**
